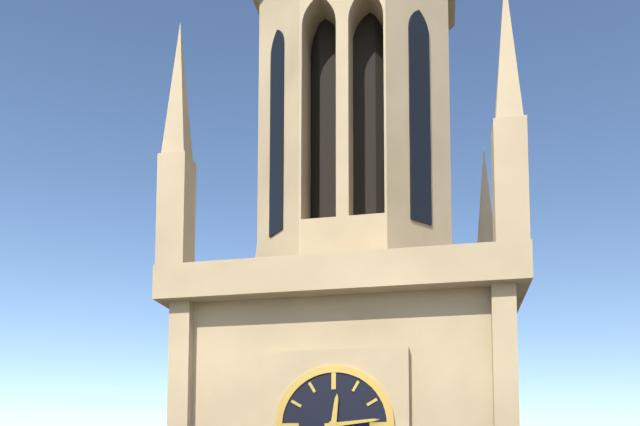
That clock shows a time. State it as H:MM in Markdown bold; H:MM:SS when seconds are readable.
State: **12:14**
